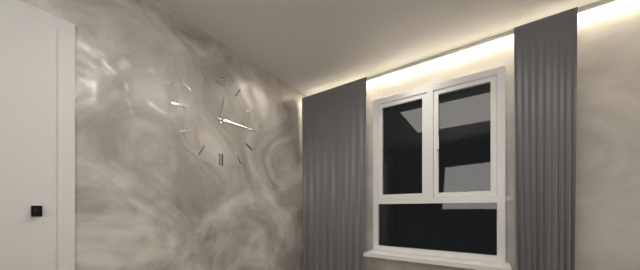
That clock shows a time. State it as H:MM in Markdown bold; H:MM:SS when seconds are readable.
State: **12:15**
